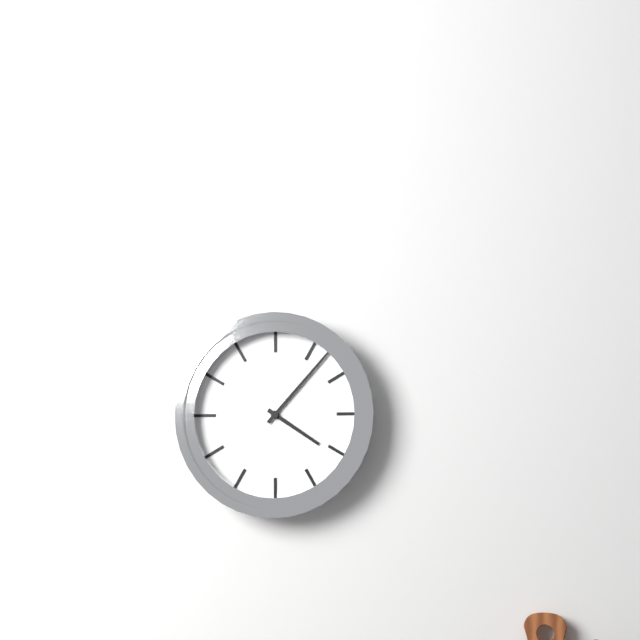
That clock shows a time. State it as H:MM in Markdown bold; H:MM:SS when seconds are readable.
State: **4:07**
